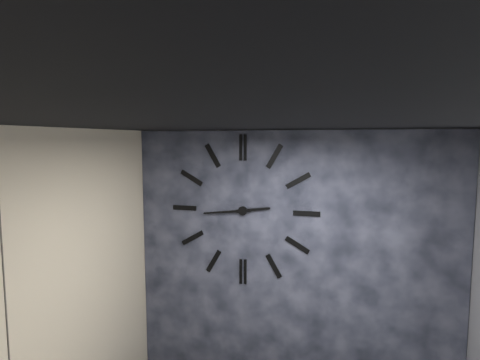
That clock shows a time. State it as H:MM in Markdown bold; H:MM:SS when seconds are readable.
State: **2:44**
